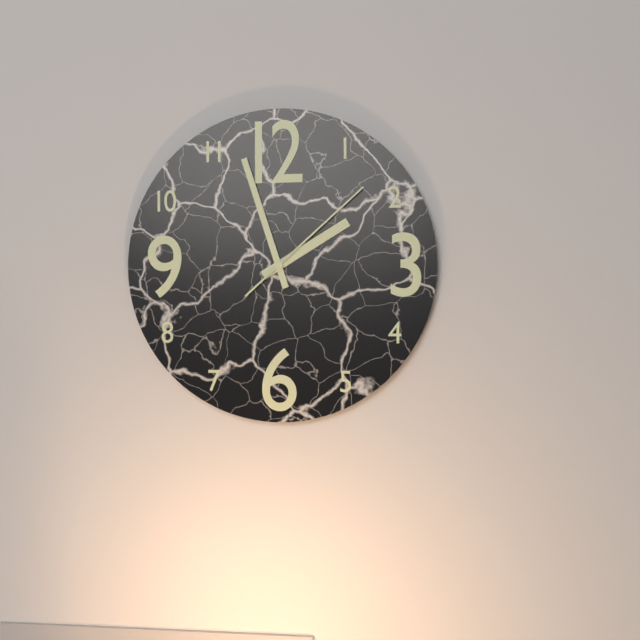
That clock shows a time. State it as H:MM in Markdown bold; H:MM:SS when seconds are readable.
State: **1:57:08**
